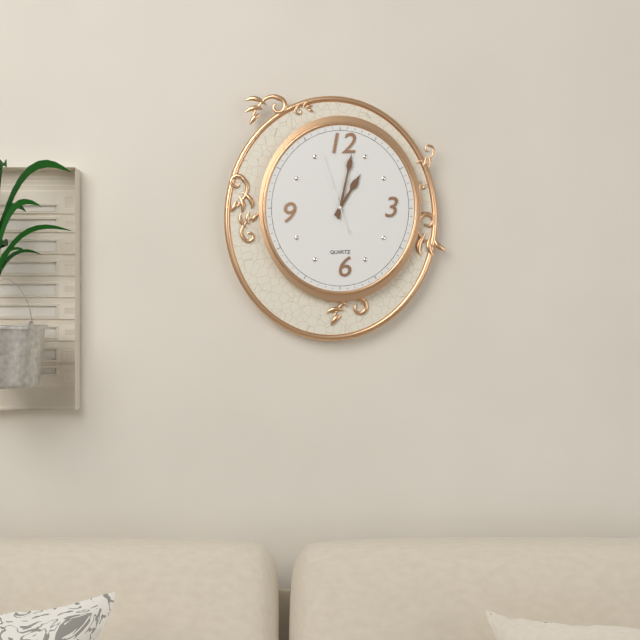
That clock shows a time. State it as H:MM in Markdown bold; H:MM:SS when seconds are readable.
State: **1:02:57**
